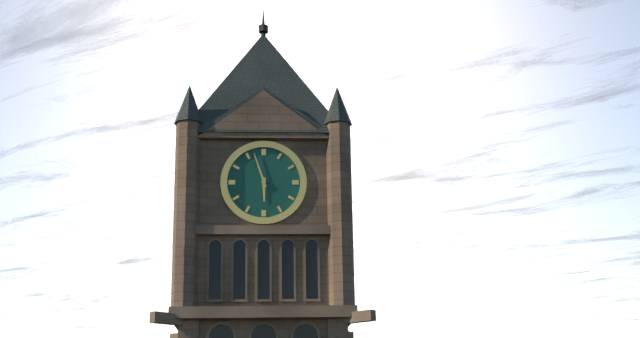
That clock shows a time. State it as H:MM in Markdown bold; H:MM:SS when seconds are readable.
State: **5:57**
